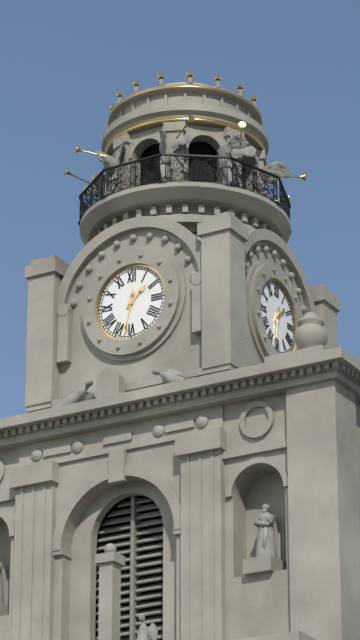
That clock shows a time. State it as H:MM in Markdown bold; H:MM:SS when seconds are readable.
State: **1:32**
